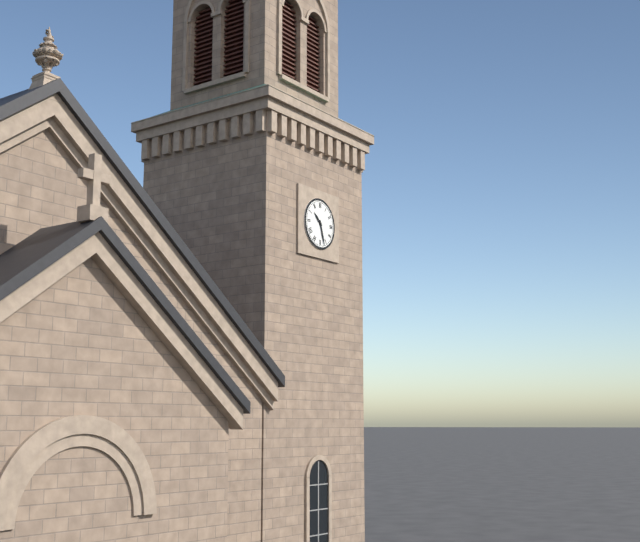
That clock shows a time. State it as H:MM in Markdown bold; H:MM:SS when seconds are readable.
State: **10:27**
